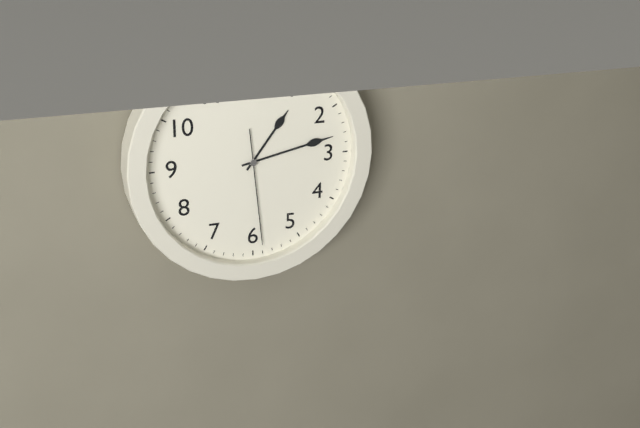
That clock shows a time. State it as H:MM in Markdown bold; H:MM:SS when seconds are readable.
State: **1:13:29**
